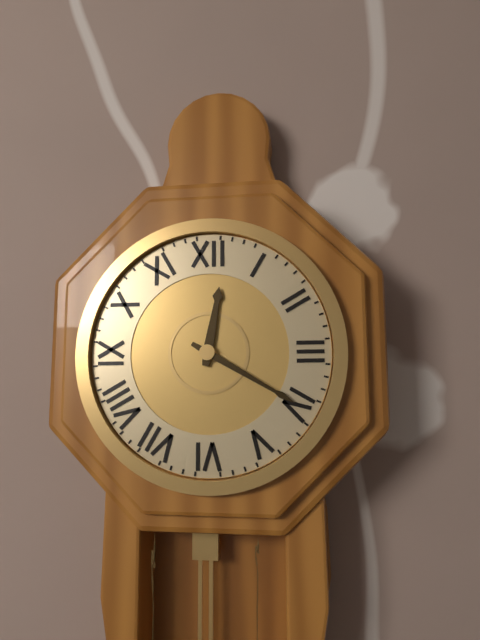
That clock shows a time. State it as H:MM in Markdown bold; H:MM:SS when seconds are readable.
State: **12:20**
